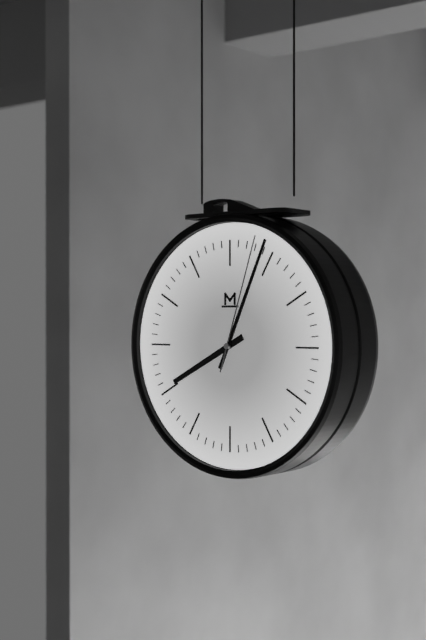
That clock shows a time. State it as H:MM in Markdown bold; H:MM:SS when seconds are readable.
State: **8:04:03**
